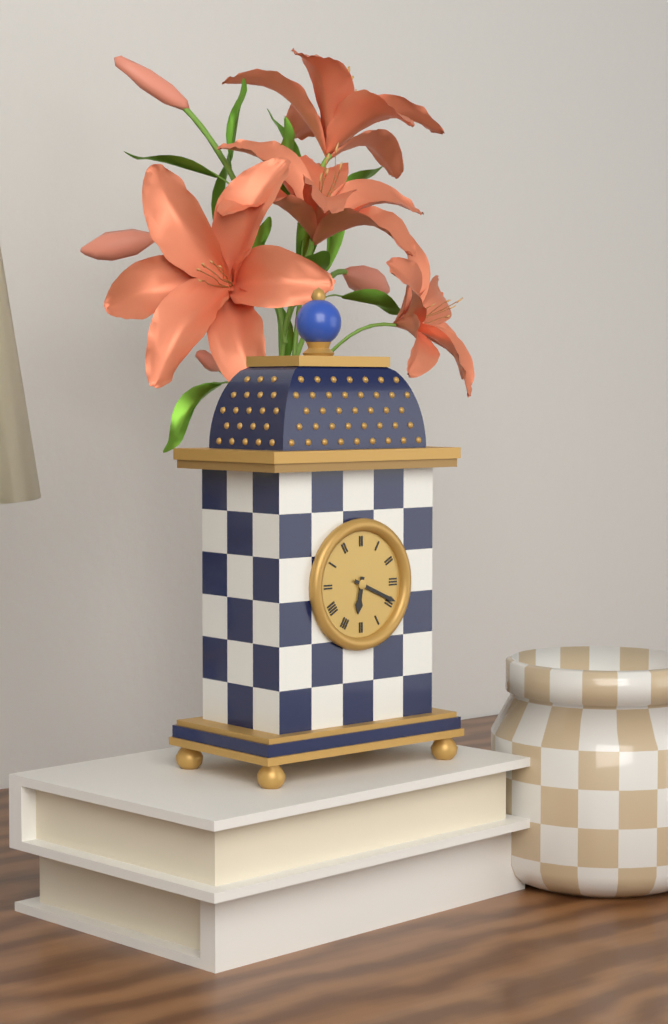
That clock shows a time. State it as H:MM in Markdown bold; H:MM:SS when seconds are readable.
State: **6:19**
